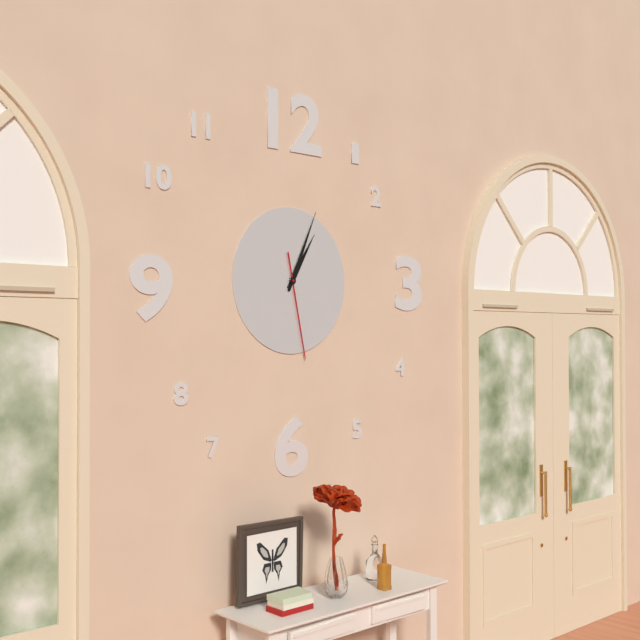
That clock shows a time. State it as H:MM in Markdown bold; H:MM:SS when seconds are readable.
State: **1:04:28**
